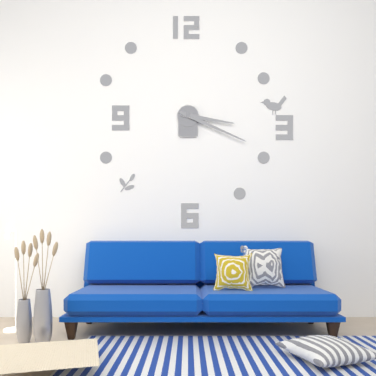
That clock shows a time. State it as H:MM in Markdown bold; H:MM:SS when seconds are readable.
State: **3:19**
